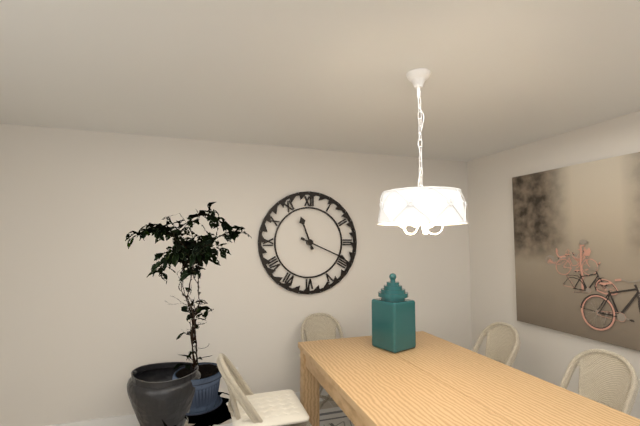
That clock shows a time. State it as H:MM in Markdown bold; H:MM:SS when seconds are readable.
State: **11:19**
